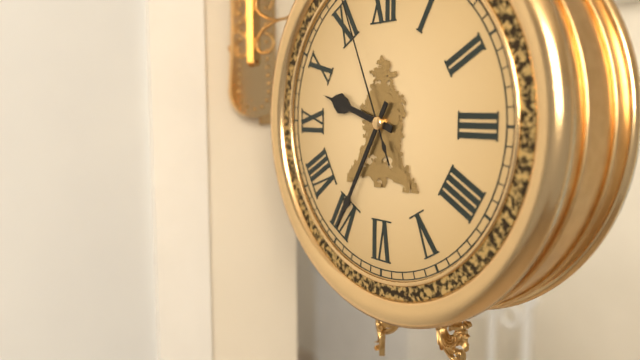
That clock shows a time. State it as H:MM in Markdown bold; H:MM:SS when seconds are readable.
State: **9:35**
